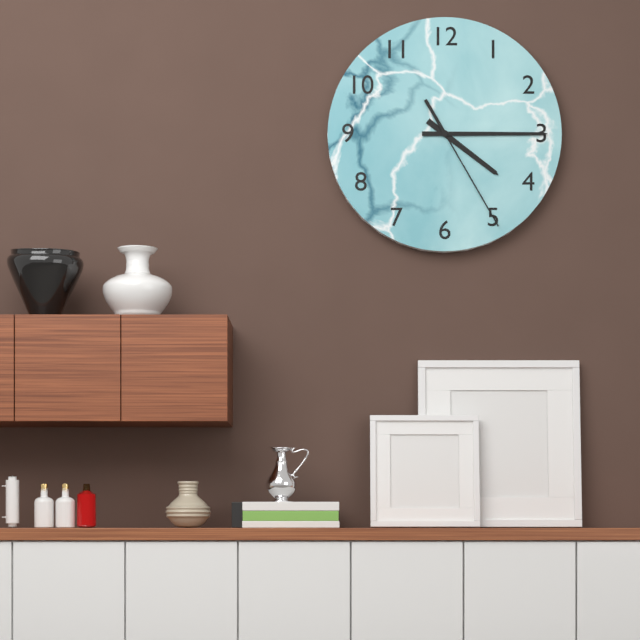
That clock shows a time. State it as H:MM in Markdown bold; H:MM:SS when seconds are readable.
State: **4:15:25**
